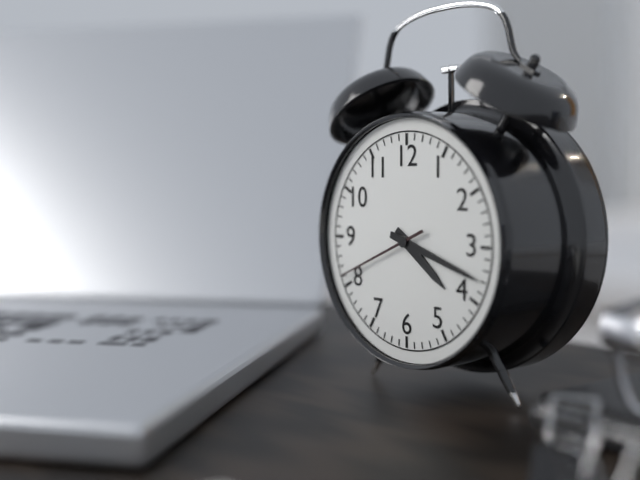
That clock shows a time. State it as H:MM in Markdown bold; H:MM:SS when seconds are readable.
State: **4:18:41**
